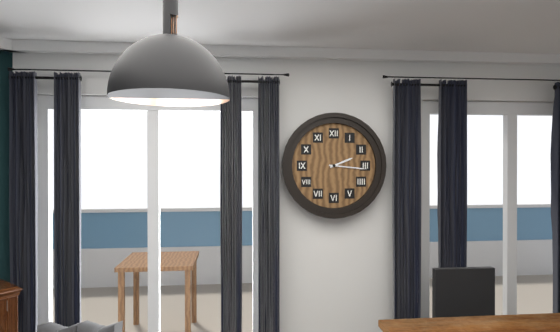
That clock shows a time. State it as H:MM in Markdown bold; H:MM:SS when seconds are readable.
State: **2:16**
